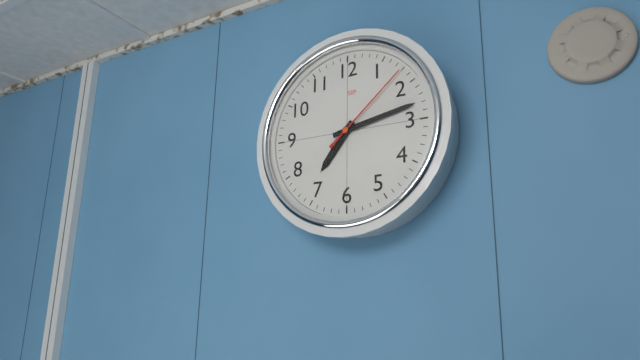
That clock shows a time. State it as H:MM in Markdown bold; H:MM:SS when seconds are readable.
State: **7:13:08**
